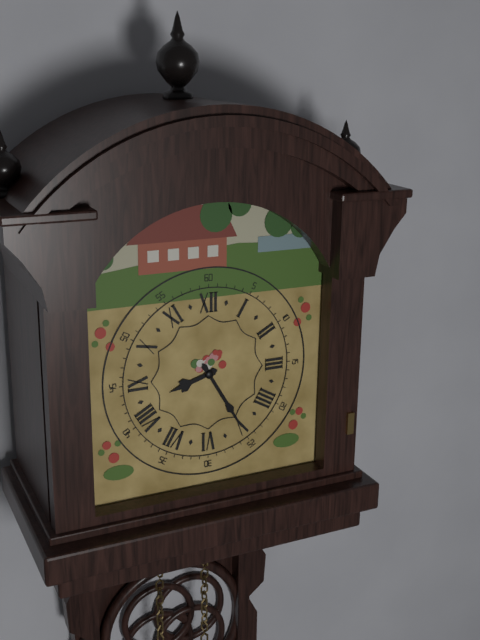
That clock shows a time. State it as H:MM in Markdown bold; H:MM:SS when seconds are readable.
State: **8:25**
